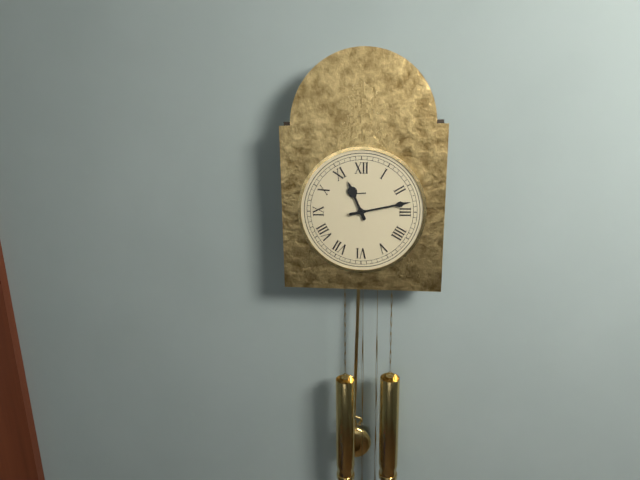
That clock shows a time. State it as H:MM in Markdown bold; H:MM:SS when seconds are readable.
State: **11:13**
